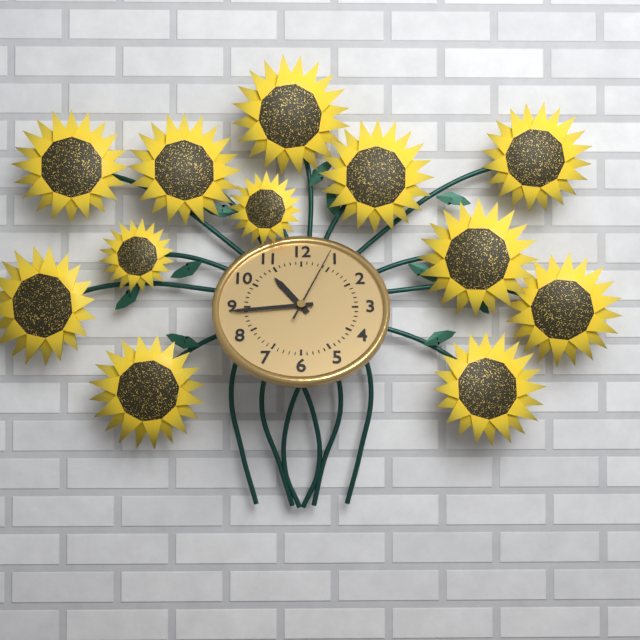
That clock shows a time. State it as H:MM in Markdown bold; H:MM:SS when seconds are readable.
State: **10:44:04**
